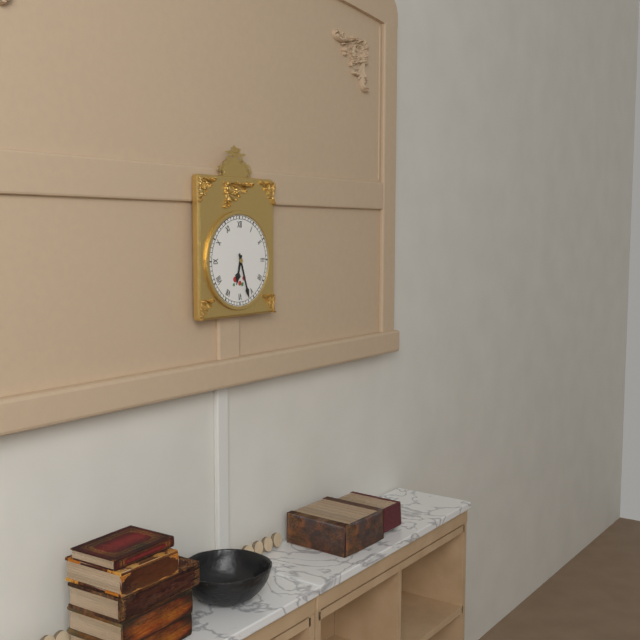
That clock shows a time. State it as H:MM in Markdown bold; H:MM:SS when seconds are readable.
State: **6:27**
